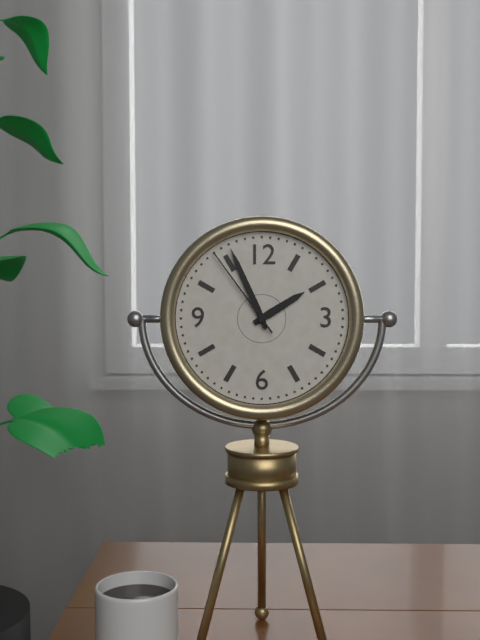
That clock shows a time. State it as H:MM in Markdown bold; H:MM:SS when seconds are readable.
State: **1:56:54**
